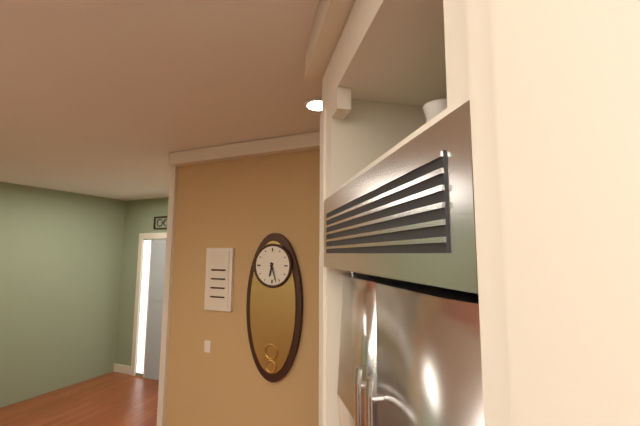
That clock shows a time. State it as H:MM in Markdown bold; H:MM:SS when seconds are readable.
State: **6:27**
